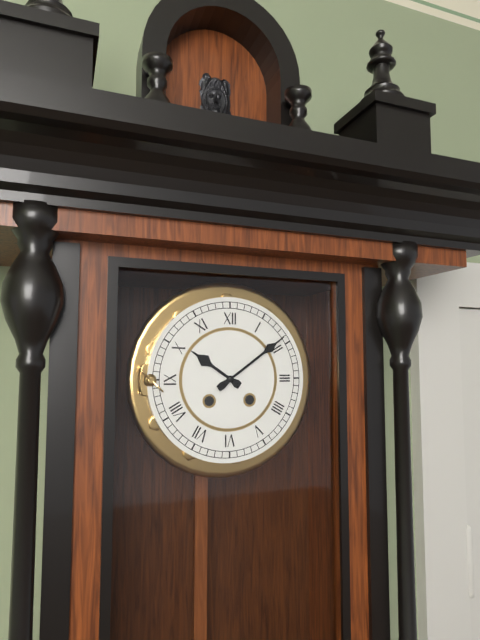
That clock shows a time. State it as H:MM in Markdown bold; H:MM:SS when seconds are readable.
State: **10:09**
